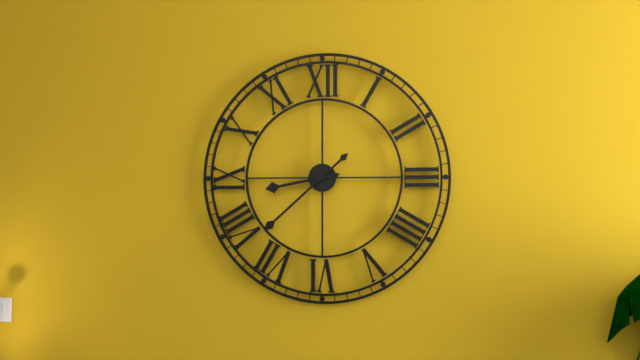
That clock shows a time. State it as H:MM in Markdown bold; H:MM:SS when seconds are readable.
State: **8:38**
